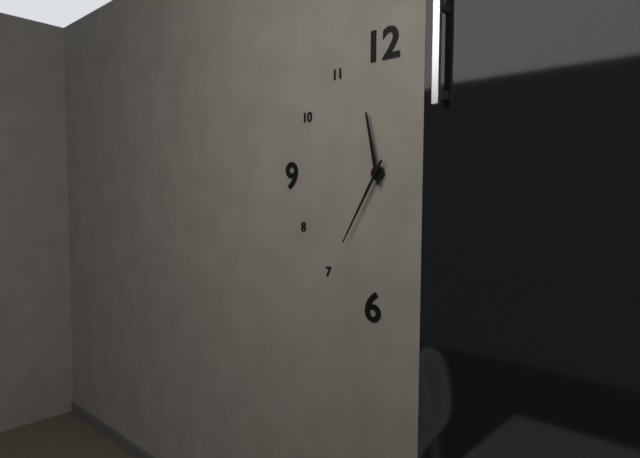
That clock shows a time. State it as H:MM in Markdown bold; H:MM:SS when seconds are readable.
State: **11:35**
